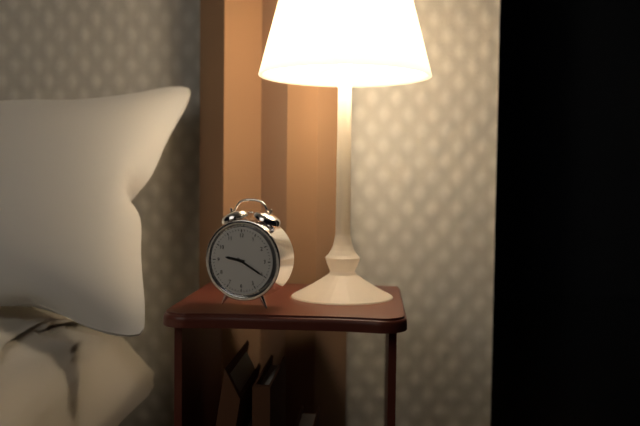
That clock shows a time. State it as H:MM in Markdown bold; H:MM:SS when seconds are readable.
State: **9:20**
